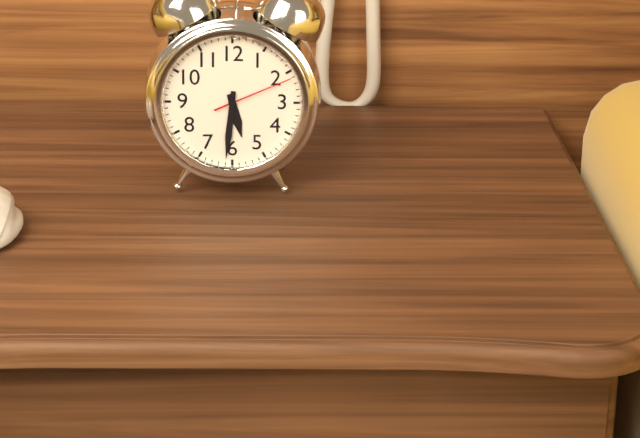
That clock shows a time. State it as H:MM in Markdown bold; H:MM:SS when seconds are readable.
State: **5:31:11**
